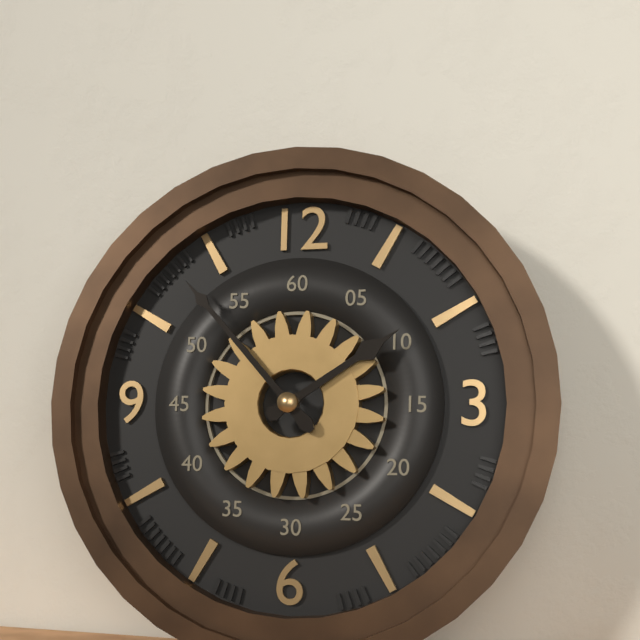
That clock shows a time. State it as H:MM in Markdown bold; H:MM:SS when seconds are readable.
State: **1:53**
